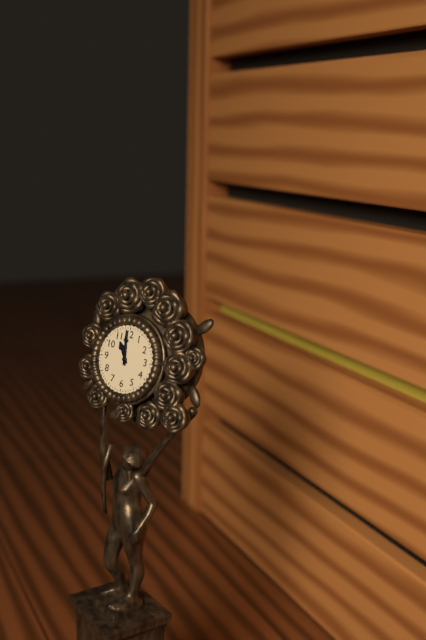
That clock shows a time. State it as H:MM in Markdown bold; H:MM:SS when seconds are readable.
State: **10:59**
